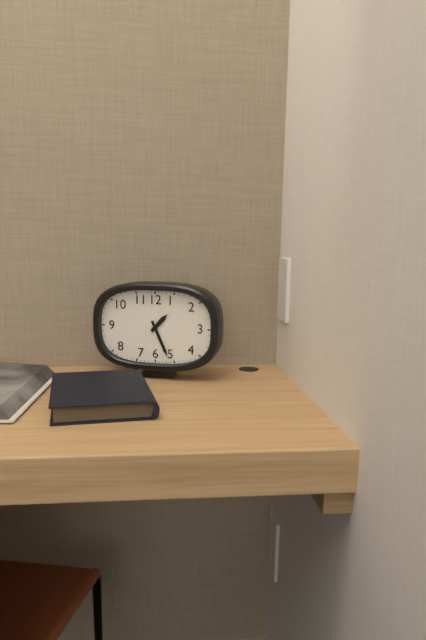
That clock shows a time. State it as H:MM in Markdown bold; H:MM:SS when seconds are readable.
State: **1:26**
